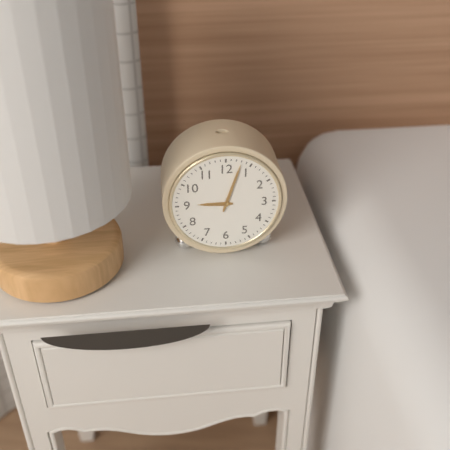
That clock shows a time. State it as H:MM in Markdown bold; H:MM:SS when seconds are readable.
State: **9:03**
